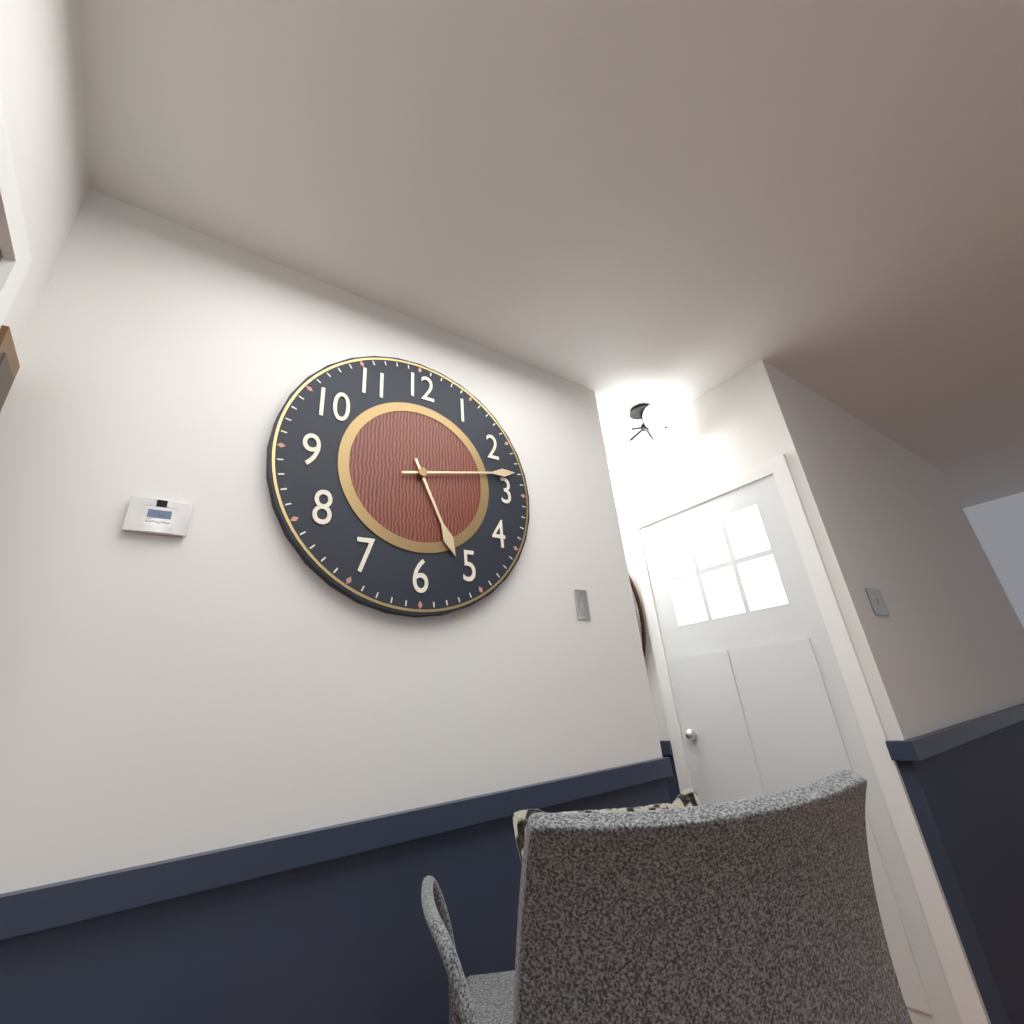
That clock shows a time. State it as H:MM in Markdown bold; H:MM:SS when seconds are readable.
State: **5:13**
